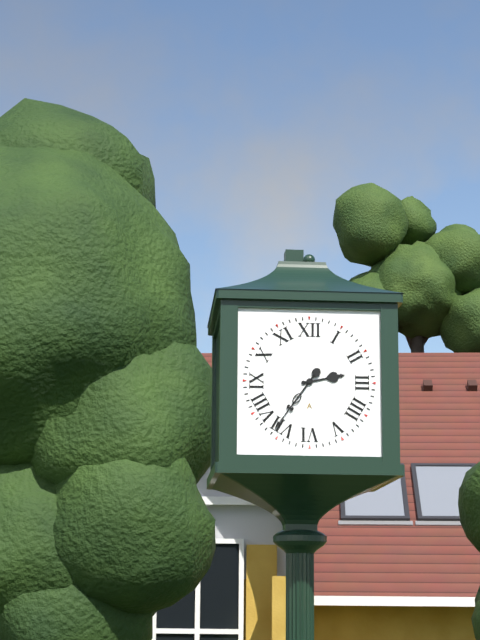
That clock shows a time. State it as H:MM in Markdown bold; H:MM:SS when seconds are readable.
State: **2:36**
